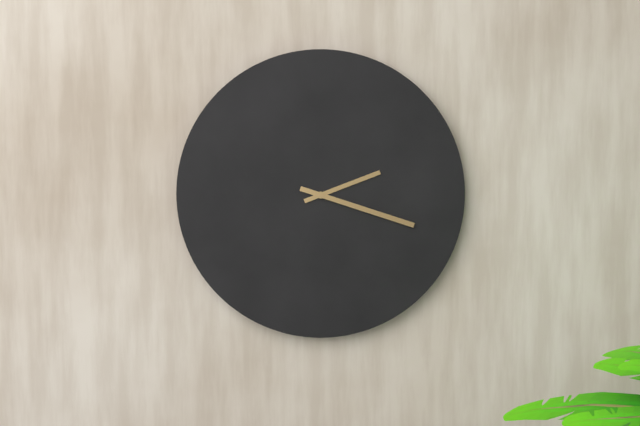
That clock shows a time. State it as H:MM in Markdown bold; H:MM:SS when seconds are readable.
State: **2:18**
